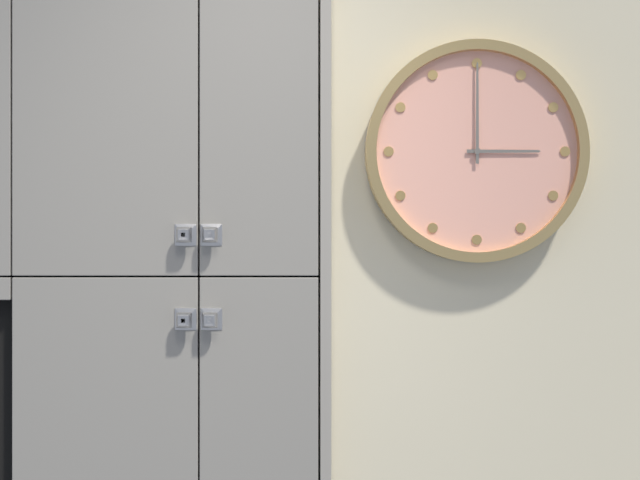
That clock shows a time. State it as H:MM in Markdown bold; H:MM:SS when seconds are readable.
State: **3:00**
